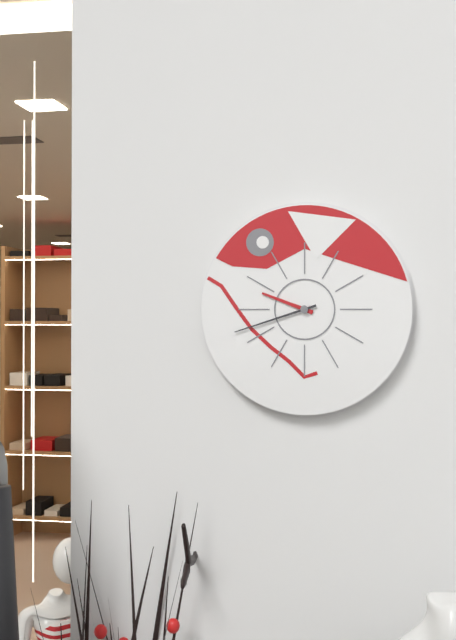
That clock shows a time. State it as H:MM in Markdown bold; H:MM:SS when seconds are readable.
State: **9:42**
